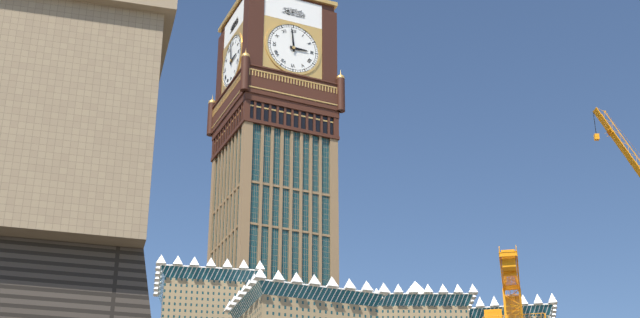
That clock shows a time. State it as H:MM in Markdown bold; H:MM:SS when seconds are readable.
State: **2:59**
